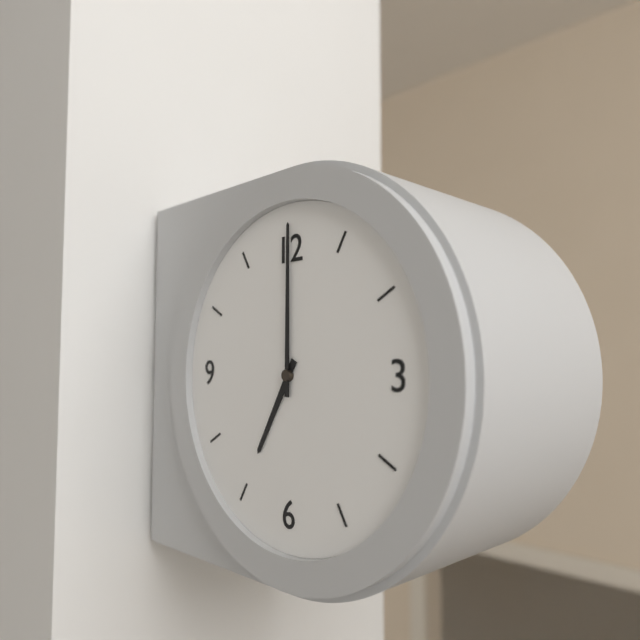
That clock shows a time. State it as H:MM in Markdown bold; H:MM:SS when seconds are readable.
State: **7:00**
